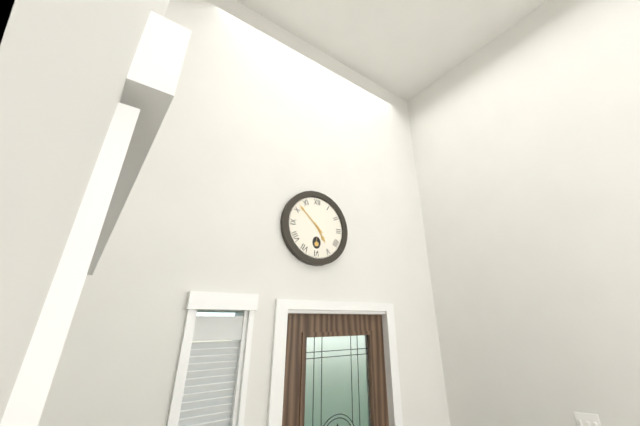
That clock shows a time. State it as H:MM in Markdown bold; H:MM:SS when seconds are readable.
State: **4:52**
